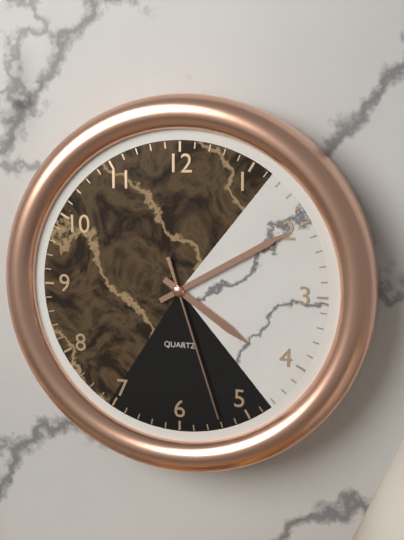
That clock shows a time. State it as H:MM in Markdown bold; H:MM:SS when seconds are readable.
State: **4:10:27**
